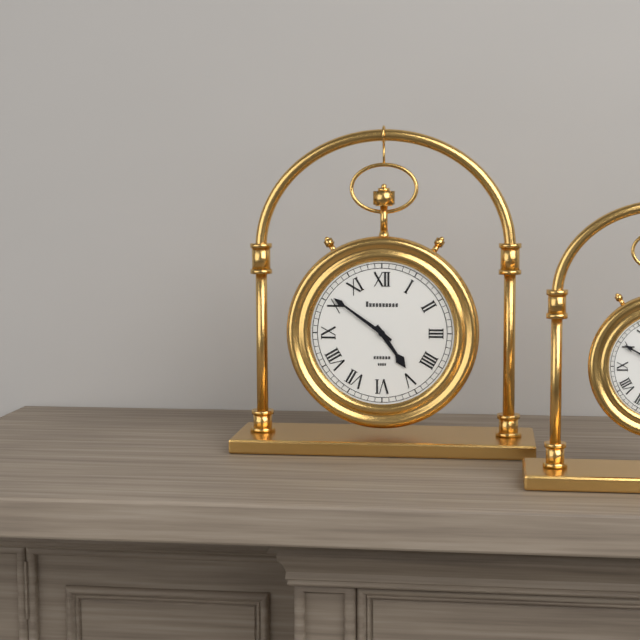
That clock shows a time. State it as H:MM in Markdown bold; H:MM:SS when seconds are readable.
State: **4:51**
